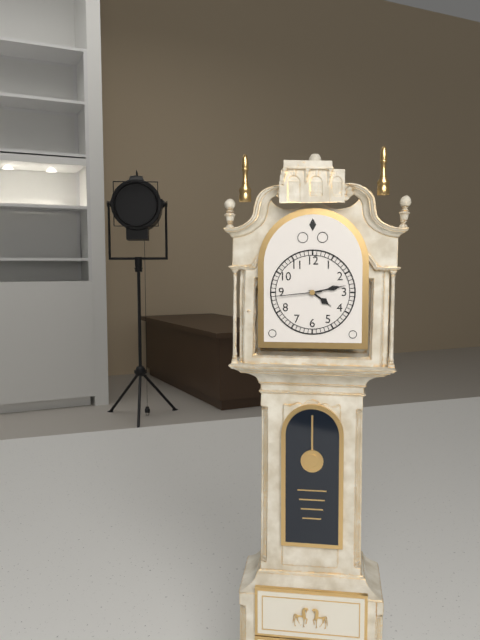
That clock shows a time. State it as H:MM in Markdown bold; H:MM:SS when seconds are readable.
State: **4:13**
